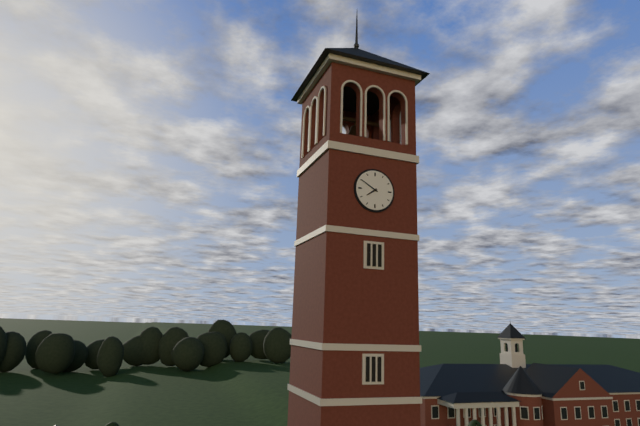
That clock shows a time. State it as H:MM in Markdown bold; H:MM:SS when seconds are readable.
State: **7:50**
